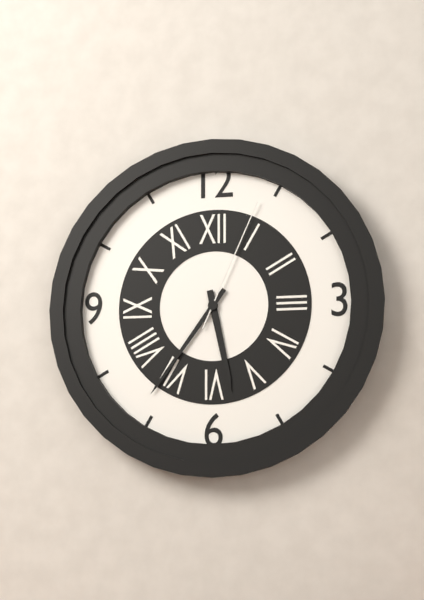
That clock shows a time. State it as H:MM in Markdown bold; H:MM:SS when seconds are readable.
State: **5:36:04**
